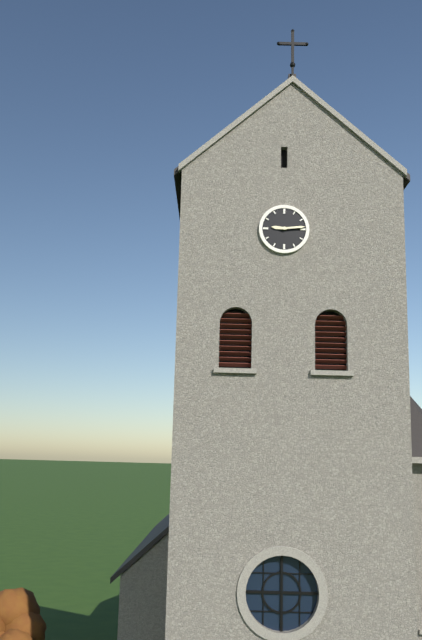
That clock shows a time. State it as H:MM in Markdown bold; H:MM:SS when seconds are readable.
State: **9:14**
